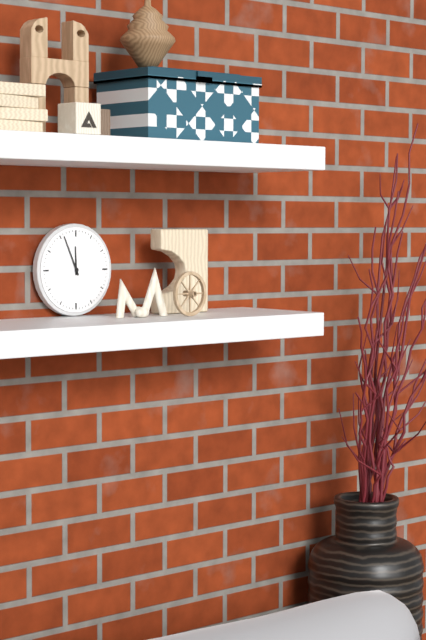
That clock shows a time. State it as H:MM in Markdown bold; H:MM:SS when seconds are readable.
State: **11:56**
